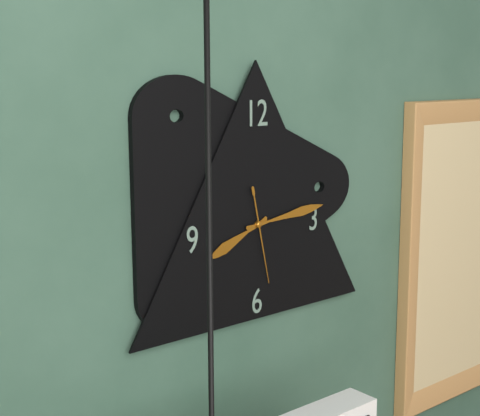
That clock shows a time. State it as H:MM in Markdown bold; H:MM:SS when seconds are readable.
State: **8:14:28**
